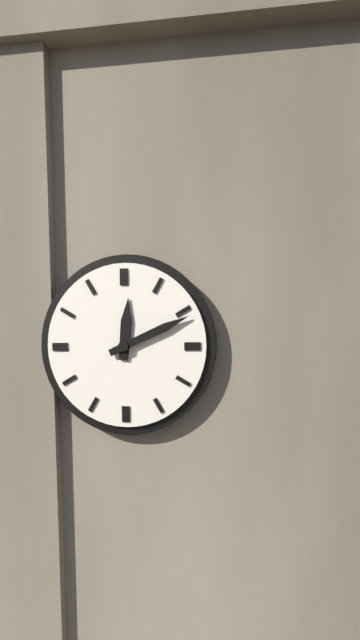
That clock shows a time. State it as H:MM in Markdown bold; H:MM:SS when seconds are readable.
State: **12:11**
